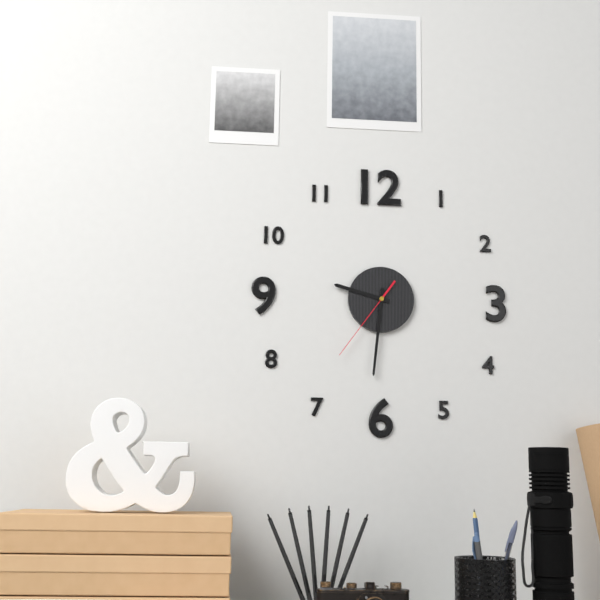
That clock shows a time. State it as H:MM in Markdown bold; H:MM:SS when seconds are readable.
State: **9:31:36**
